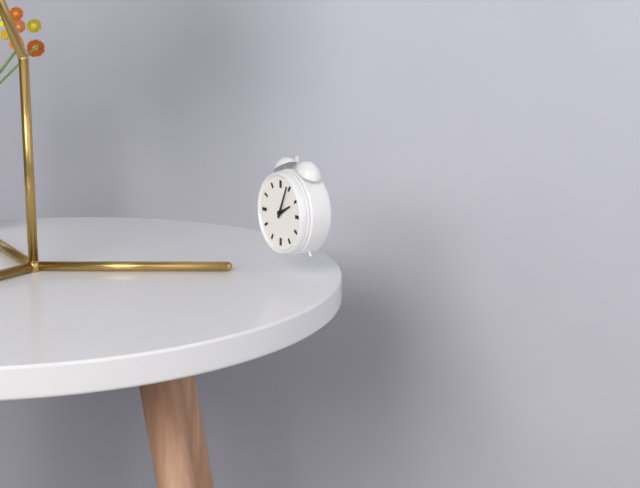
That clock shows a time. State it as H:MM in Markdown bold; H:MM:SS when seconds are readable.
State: **2:04**
